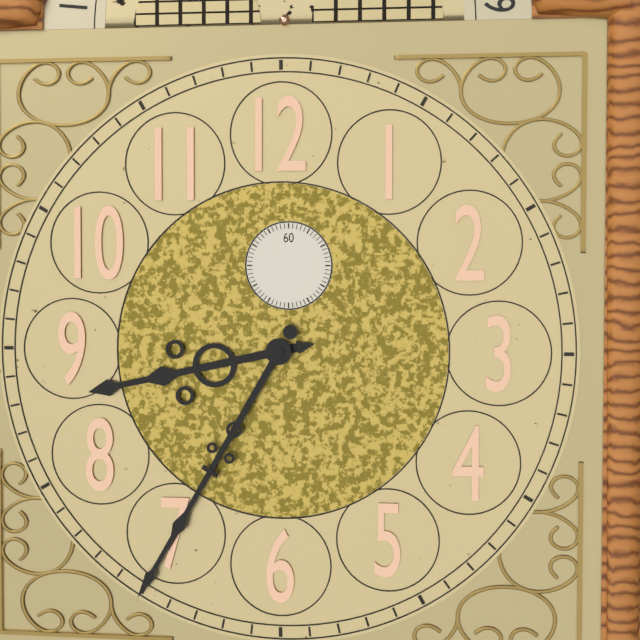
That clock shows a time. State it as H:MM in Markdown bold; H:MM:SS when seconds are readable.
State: **8:35**
